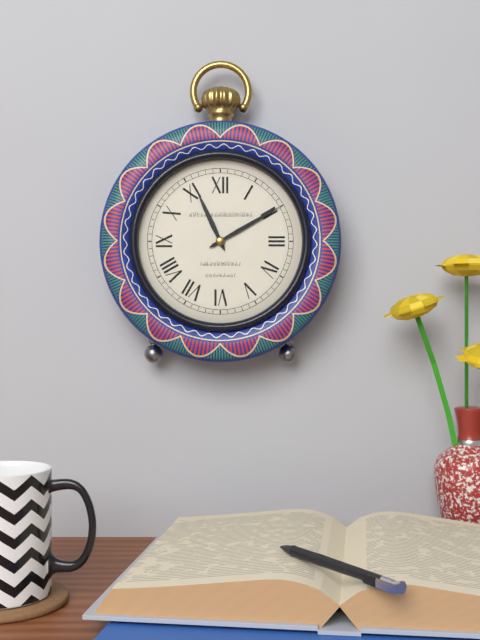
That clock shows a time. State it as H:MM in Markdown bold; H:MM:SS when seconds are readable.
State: **11:10**
